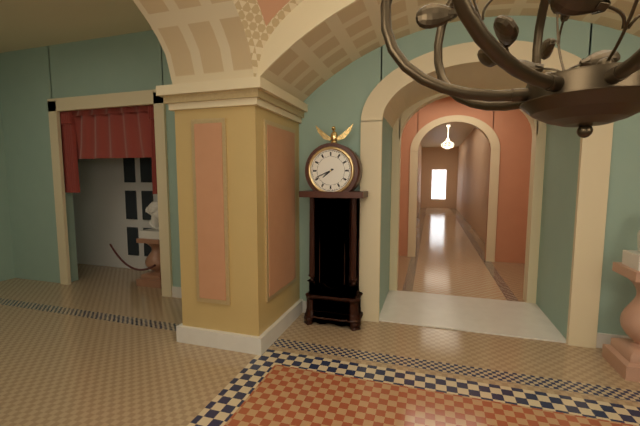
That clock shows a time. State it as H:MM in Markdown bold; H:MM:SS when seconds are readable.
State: **7:41**
